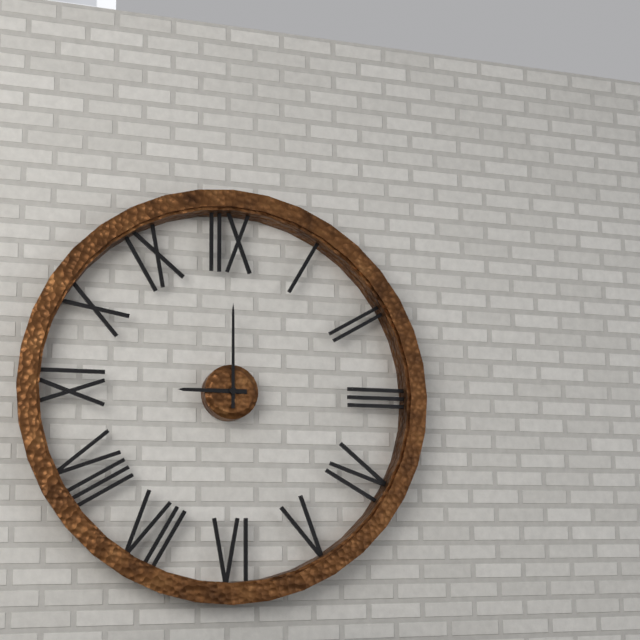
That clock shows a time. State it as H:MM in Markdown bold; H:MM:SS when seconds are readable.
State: **9:00**
